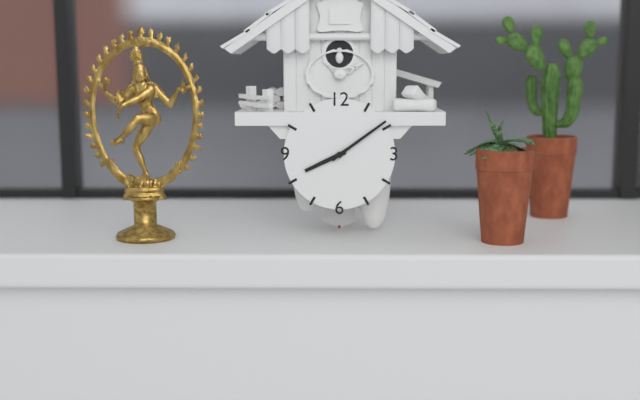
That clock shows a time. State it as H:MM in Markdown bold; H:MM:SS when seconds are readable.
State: **8:09**
